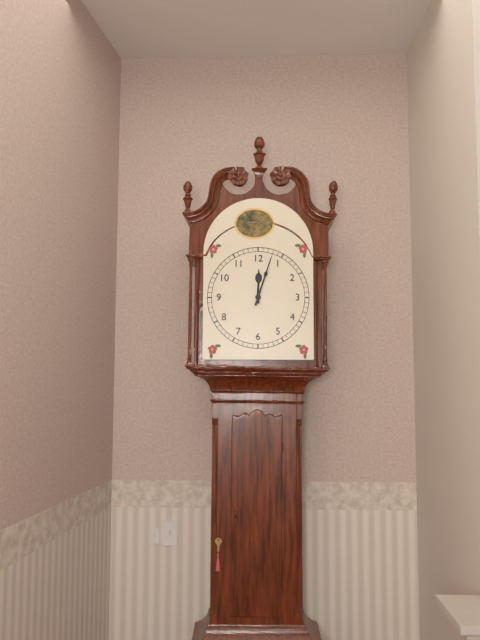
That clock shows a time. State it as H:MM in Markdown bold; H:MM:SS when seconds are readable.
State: **12:03**
